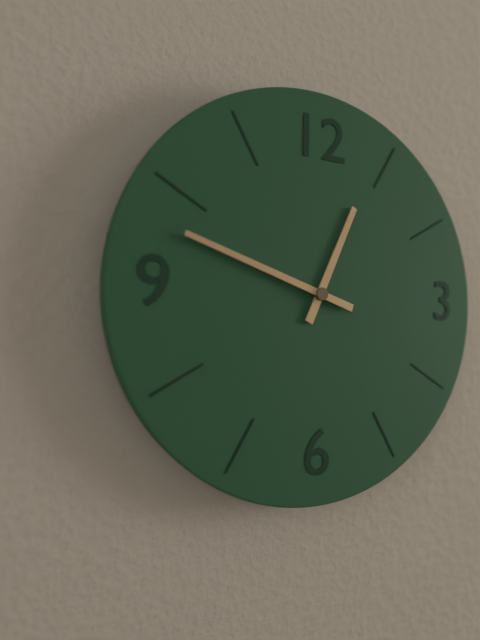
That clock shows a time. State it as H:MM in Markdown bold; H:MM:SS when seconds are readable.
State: **12:48**
